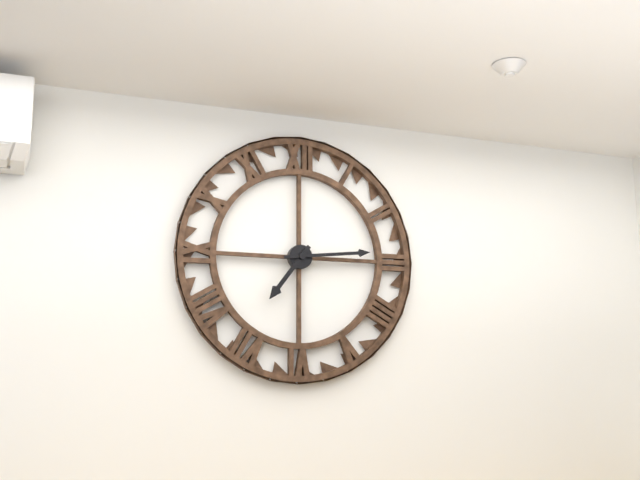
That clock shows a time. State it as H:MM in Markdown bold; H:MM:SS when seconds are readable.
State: **7:14**
